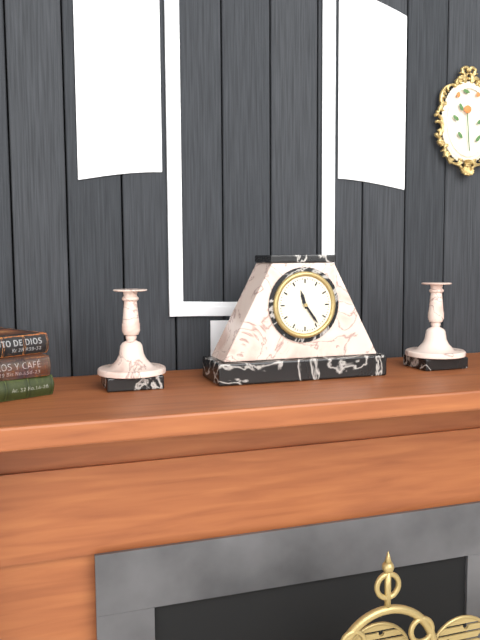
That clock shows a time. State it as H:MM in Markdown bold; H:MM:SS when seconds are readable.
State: **11:24**
